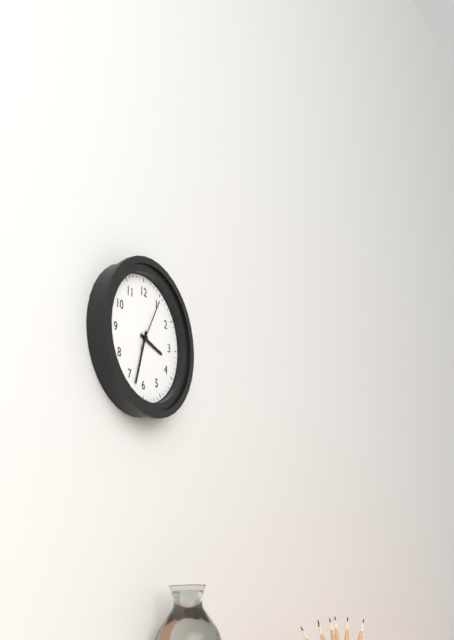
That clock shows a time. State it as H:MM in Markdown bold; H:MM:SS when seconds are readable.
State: **3:33**
